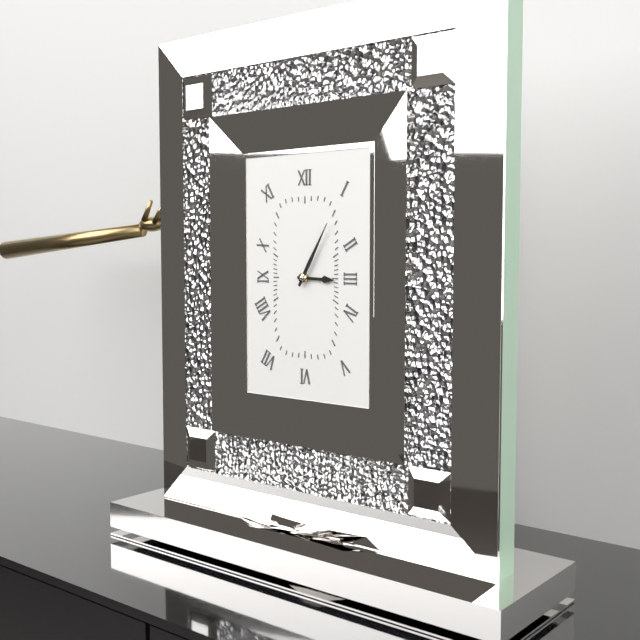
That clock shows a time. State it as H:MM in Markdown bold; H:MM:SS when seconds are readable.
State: **3:05**
